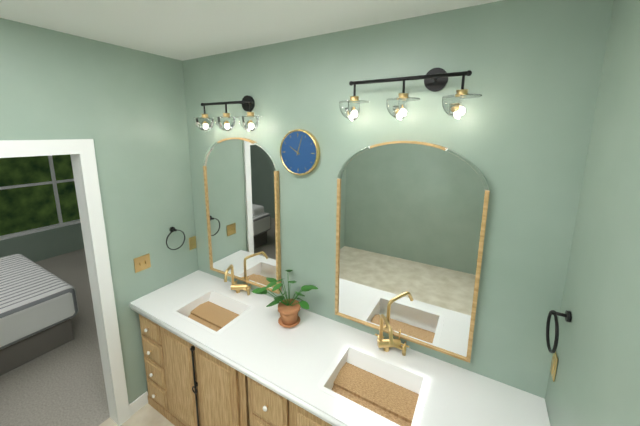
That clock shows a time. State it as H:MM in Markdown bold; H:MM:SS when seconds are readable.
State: **10:03**
